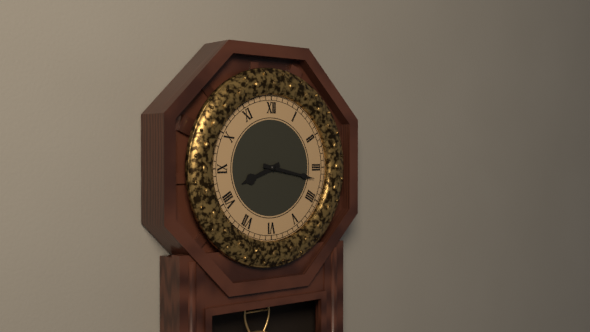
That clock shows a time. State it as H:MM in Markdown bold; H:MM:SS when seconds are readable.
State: **8:17**
